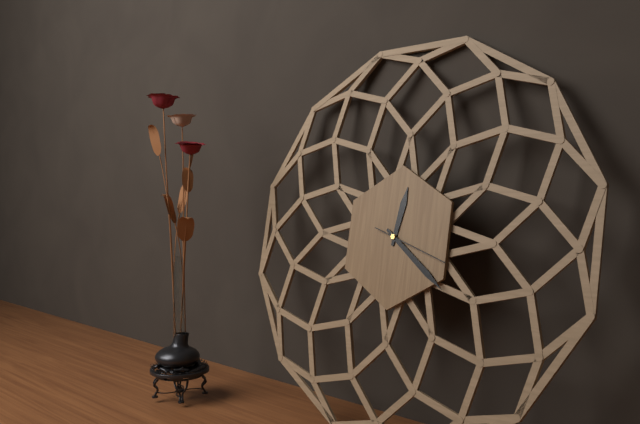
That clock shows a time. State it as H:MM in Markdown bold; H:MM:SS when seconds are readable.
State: **12:21:18**
